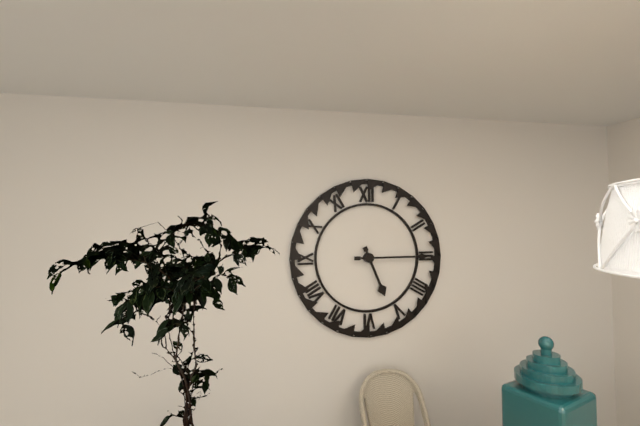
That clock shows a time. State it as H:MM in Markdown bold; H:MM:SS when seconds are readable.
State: **5:15**
